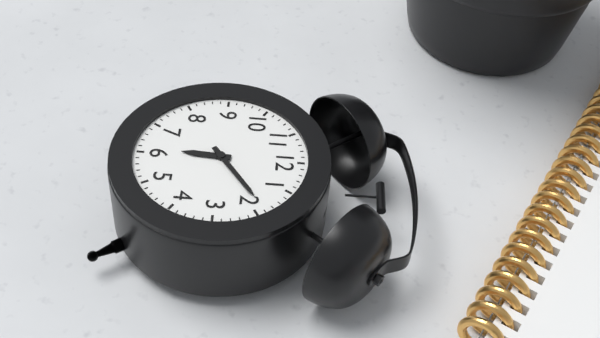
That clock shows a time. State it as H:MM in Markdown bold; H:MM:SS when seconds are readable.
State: **6:09**
